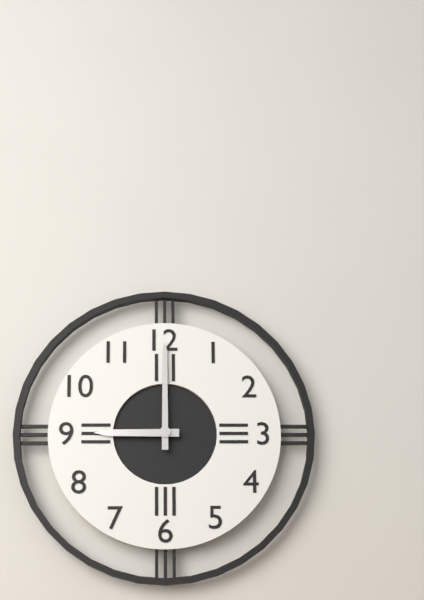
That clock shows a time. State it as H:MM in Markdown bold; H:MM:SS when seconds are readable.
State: **9:00**
